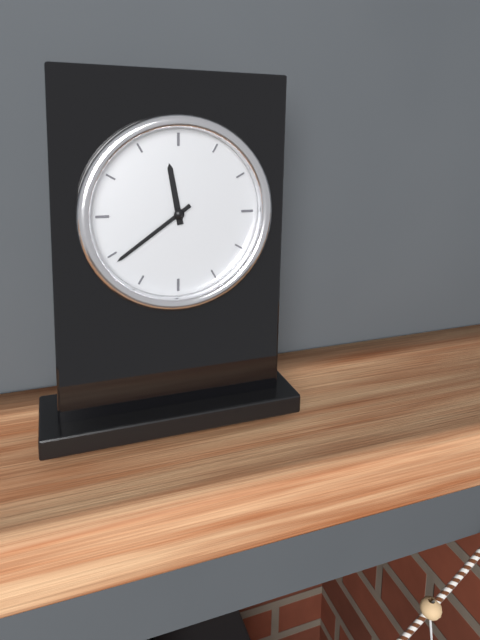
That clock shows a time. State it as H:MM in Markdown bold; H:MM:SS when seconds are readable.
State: **11:39**
